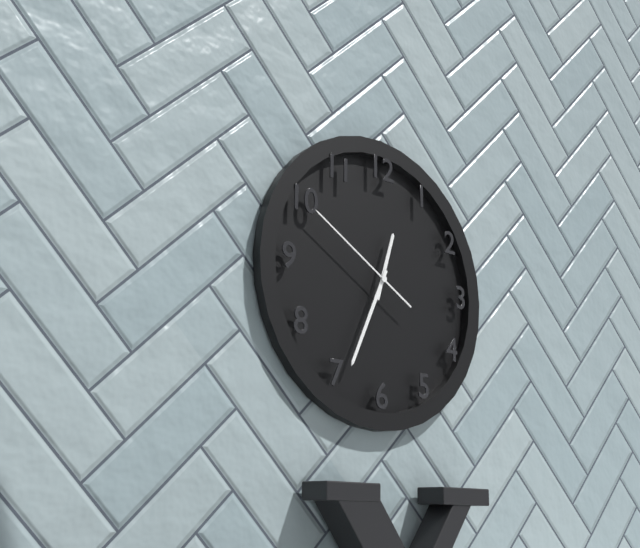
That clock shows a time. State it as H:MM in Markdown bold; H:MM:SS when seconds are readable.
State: **12:34:50**
